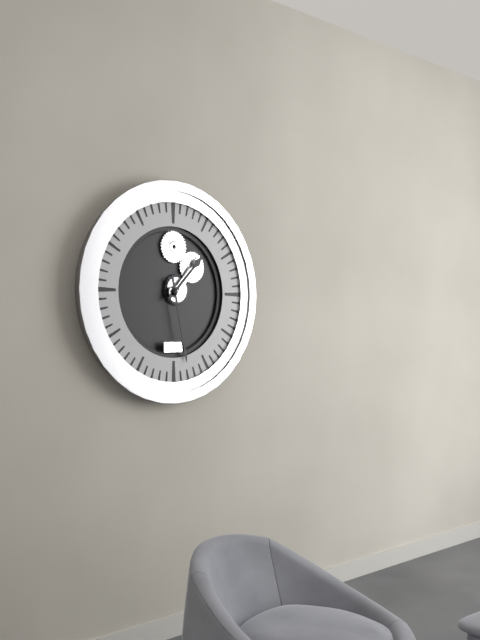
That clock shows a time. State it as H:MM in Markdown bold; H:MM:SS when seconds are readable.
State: **1:28**
